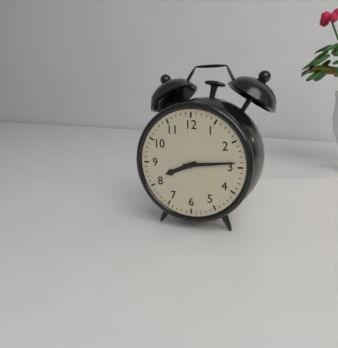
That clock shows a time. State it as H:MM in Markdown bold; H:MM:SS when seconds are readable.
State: **8:14**
